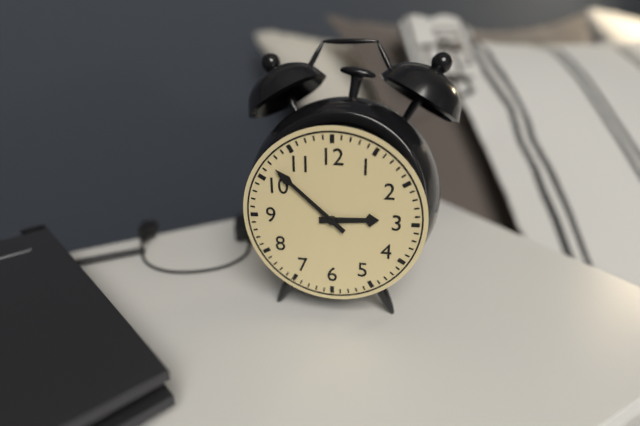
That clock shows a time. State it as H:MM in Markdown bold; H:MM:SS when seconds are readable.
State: **2:52**
